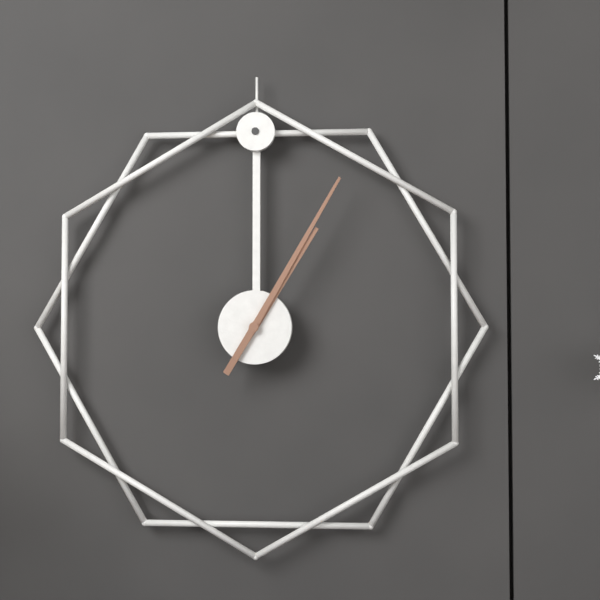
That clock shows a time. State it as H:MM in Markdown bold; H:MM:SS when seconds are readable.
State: **1:05**
